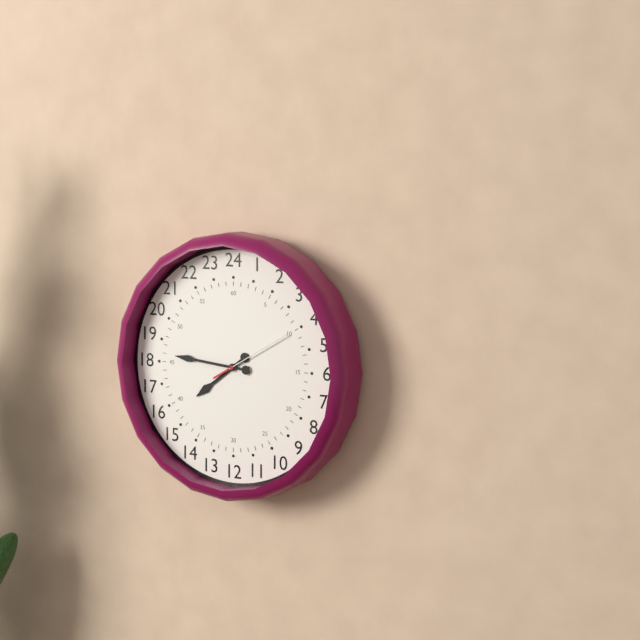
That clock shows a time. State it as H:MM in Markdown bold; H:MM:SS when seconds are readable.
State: **7:46:10**
